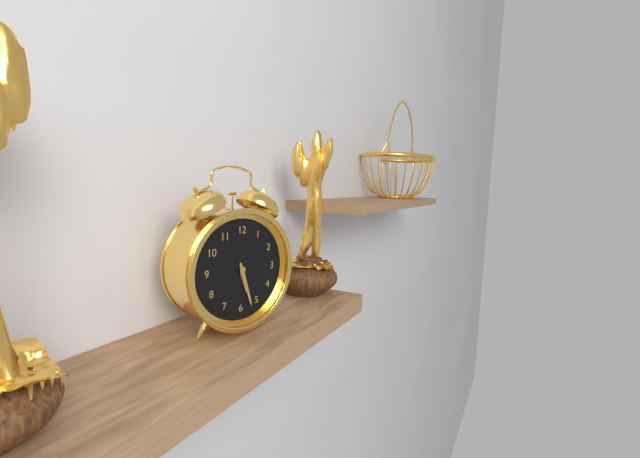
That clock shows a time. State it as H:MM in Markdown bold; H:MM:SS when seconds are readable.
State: **5:27**
